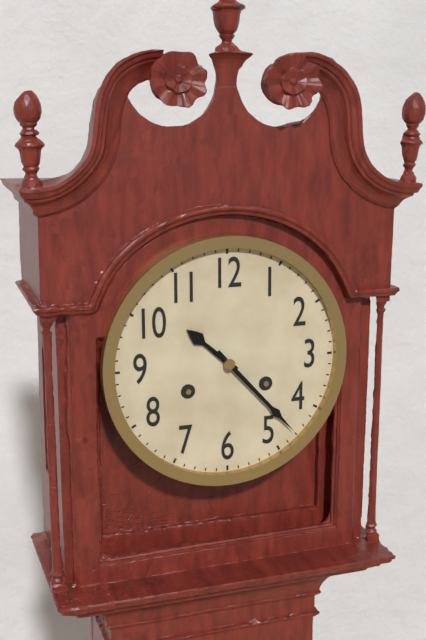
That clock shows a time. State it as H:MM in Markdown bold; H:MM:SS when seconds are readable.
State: **10:23**
